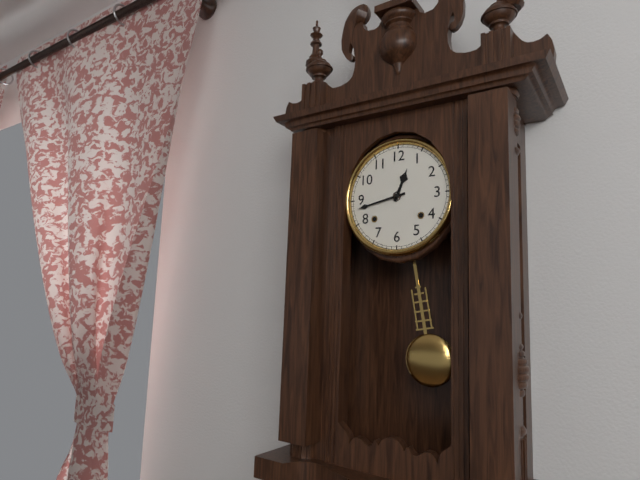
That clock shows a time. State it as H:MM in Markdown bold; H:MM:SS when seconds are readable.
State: **12:43**
